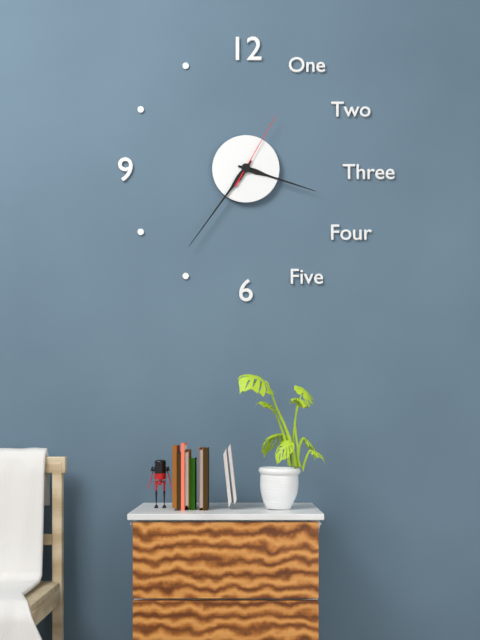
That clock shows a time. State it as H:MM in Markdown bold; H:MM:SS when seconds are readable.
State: **3:36:05**
